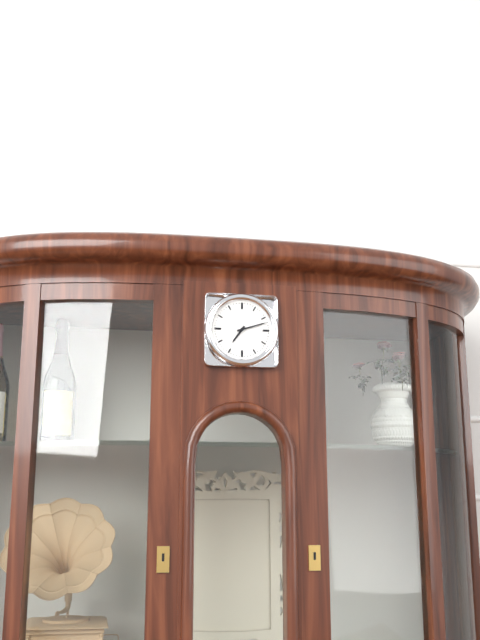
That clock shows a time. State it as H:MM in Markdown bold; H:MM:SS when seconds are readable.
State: **7:12**
